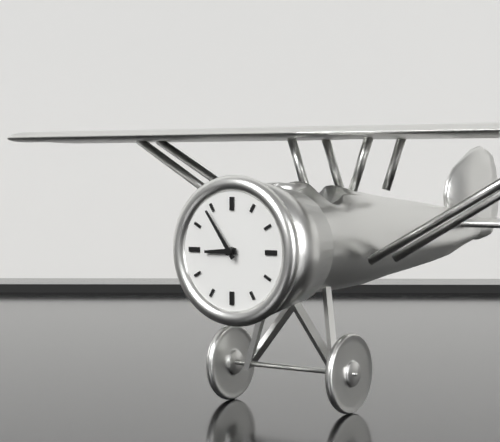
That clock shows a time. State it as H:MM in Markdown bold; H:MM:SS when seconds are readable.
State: **8:54**
